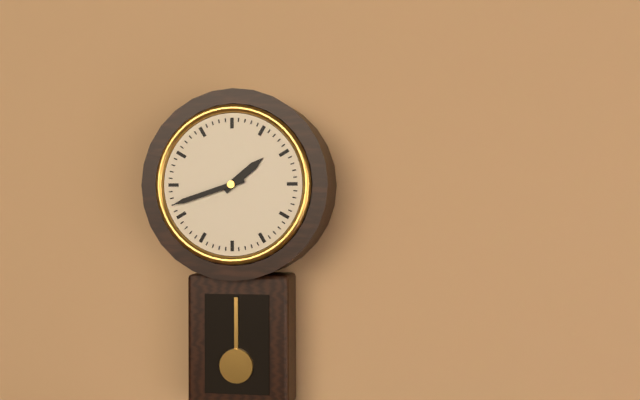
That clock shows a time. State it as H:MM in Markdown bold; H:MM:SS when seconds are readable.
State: **1:42**
